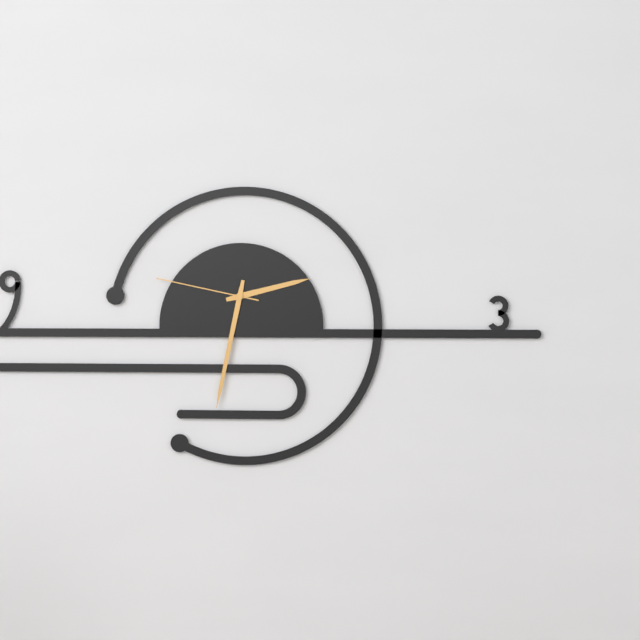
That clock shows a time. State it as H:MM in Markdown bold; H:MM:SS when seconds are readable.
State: **2:32:47**
